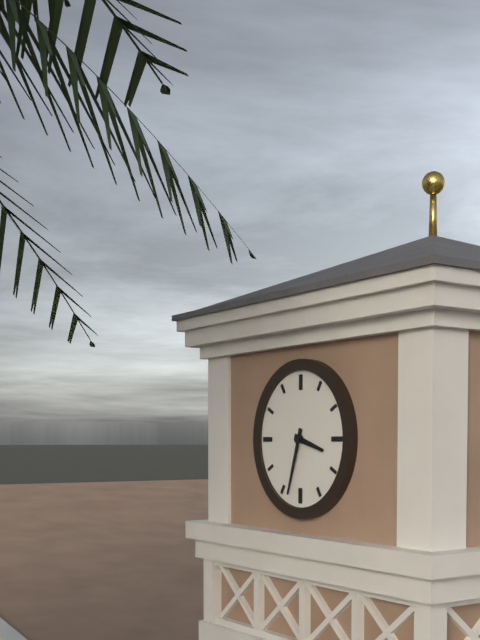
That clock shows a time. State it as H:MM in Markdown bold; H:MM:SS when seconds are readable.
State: **3:33**
